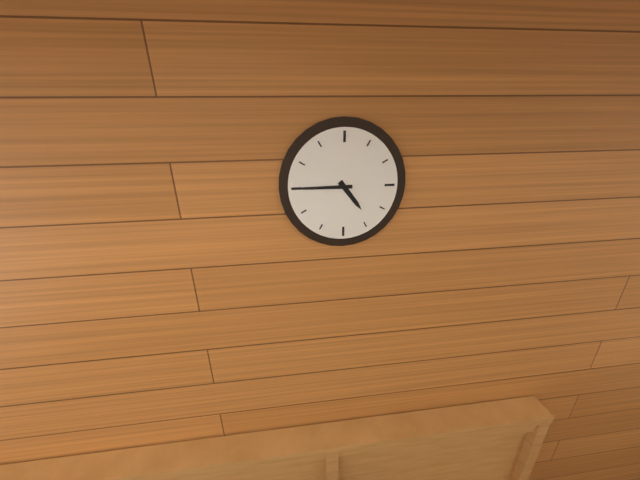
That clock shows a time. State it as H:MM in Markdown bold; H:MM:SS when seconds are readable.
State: **4:45**
